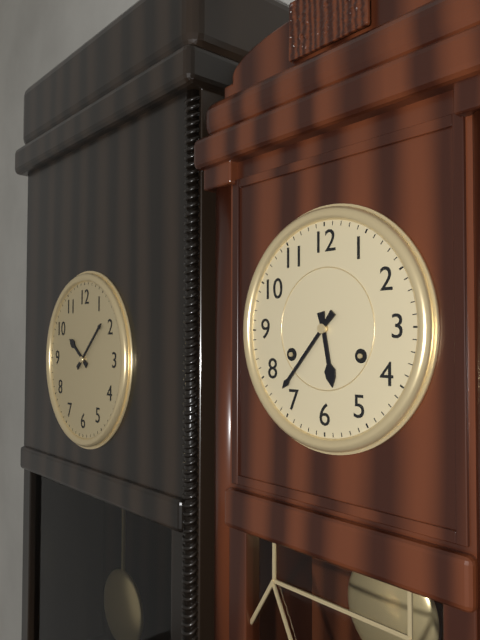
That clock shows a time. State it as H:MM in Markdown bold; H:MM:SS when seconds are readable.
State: **5:37**
